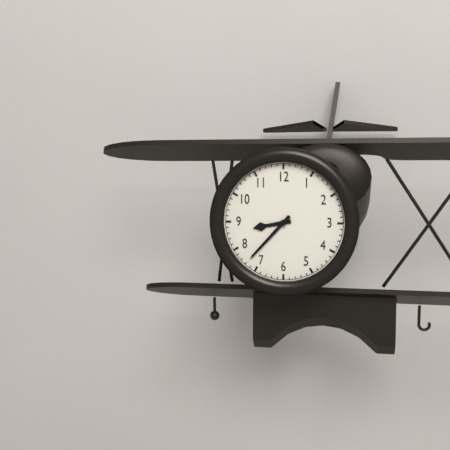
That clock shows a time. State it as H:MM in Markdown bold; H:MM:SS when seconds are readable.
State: **8:37**
